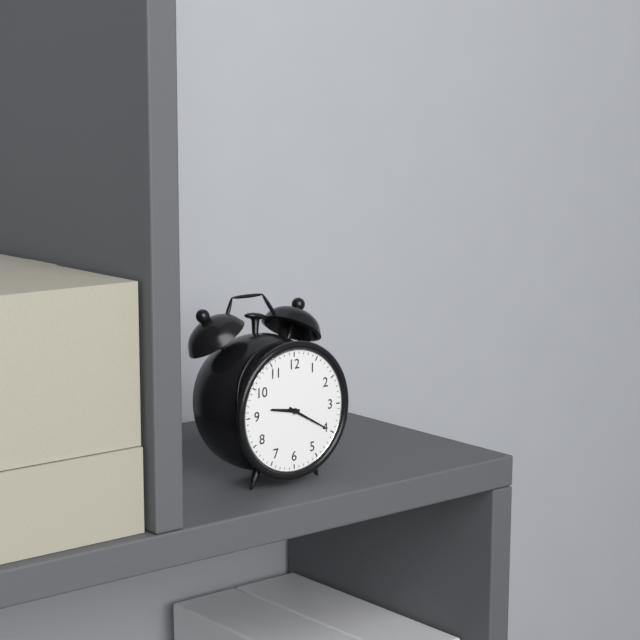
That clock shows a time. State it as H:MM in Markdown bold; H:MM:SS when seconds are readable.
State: **9:20**
